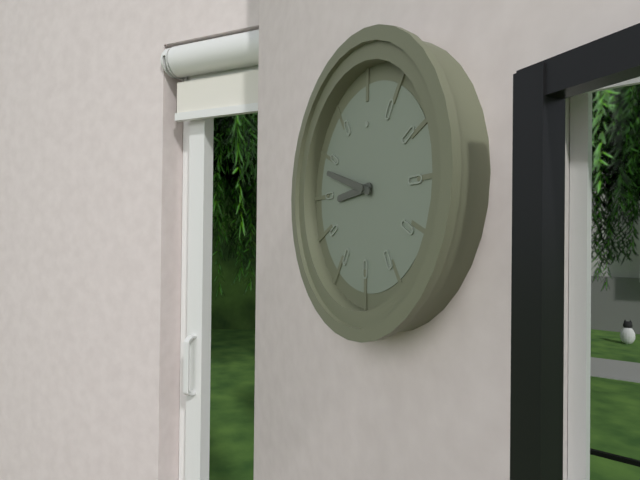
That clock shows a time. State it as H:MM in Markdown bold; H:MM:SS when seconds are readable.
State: **8:48**
